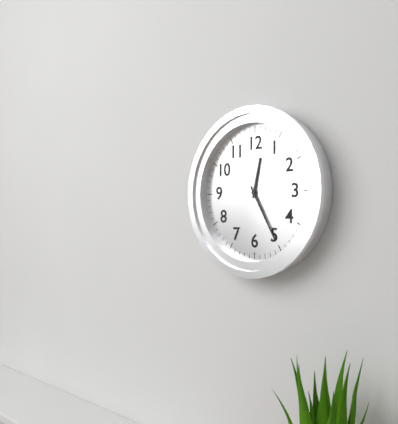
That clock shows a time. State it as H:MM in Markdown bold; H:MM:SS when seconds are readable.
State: **12:25**
